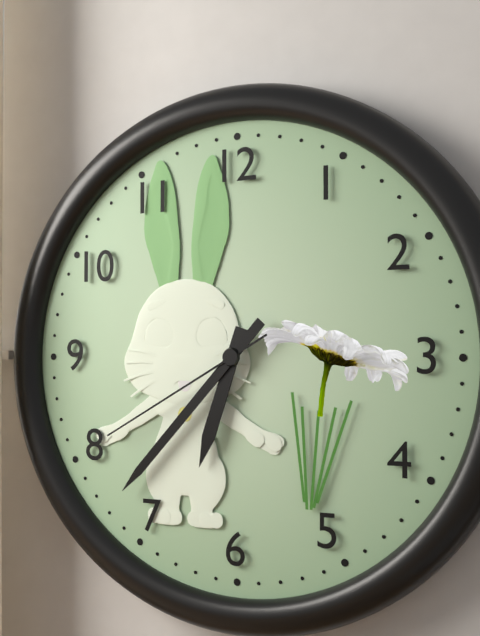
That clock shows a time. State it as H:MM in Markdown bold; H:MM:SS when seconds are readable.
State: **6:37:40**
